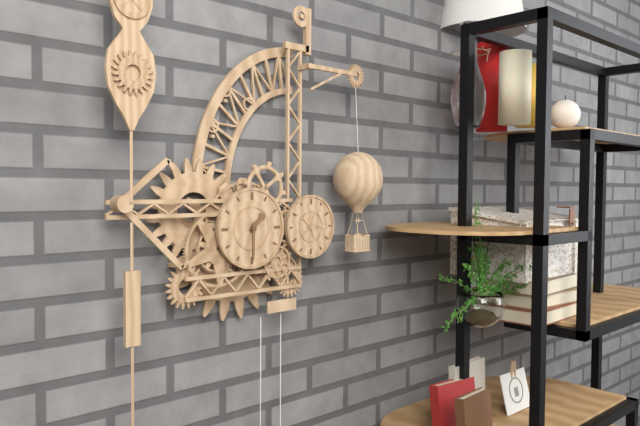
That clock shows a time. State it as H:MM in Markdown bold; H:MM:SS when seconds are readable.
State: **1:30**
